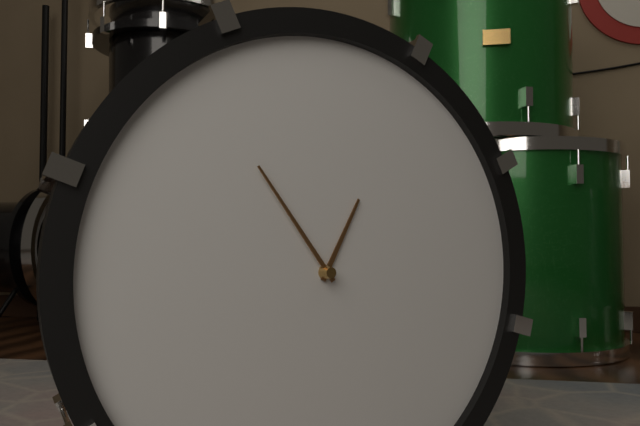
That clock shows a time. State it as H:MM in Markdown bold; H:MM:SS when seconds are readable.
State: **12:54**
